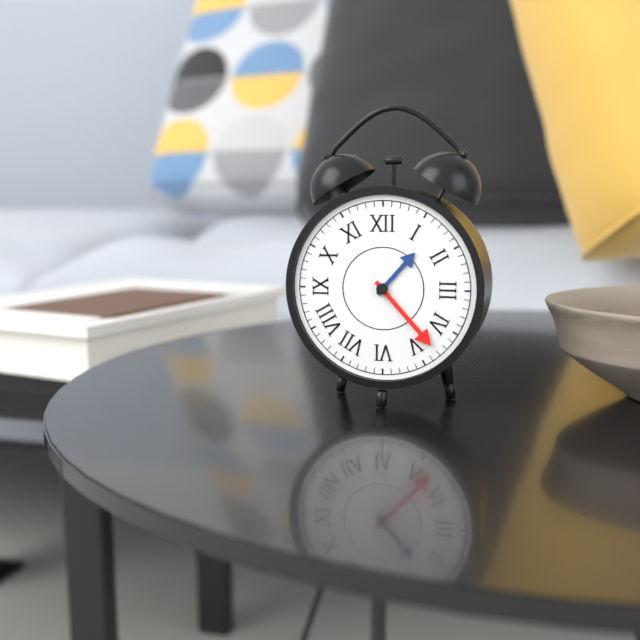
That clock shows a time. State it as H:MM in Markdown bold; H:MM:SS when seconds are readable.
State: **1:23**
